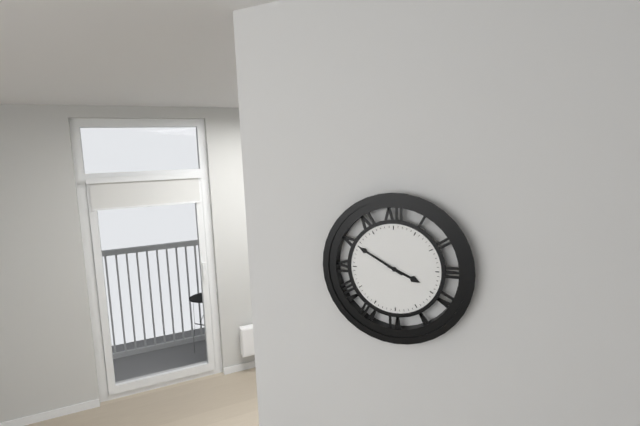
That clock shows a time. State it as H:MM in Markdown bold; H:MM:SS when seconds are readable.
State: **3:50**
